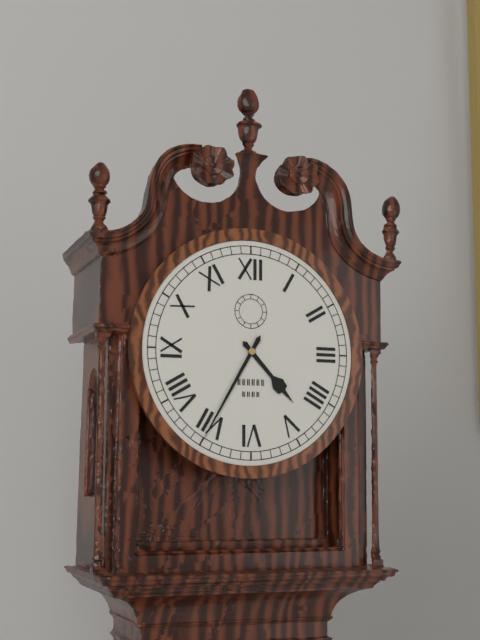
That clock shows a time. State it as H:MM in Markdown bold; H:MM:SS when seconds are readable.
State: **4:35**
